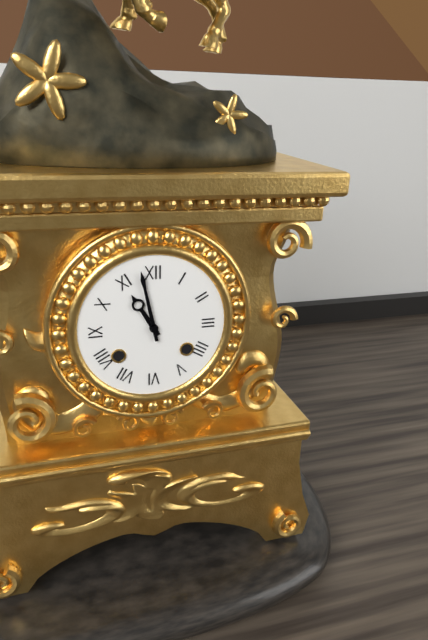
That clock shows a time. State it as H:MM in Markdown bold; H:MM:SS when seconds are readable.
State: **10:58**
